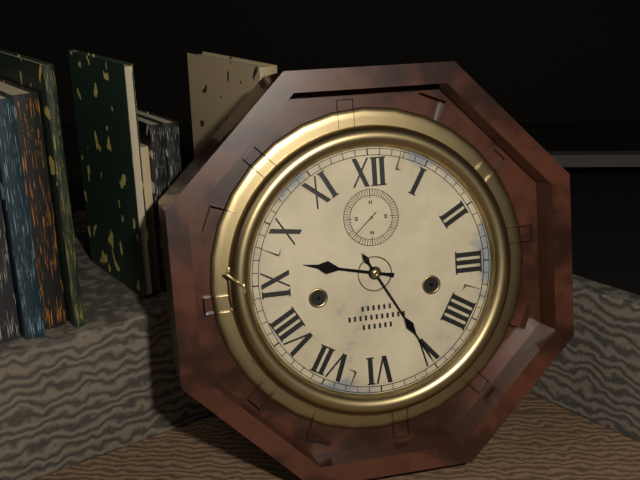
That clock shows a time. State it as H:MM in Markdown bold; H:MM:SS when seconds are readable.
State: **9:25**
